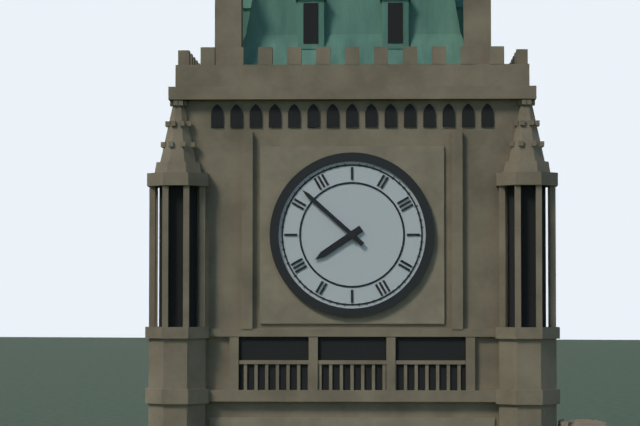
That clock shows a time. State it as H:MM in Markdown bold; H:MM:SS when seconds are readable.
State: **7:52**
